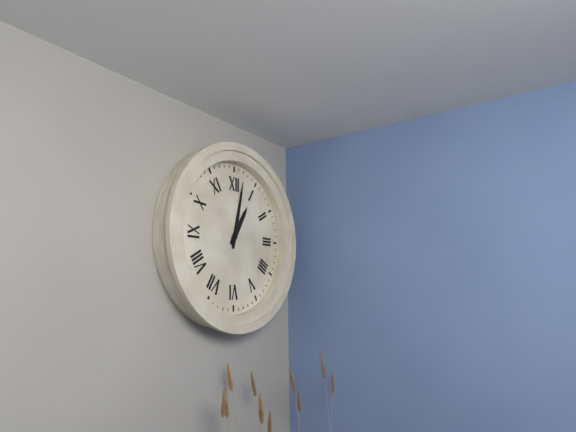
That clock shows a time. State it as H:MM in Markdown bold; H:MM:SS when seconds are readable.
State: **1:02**
